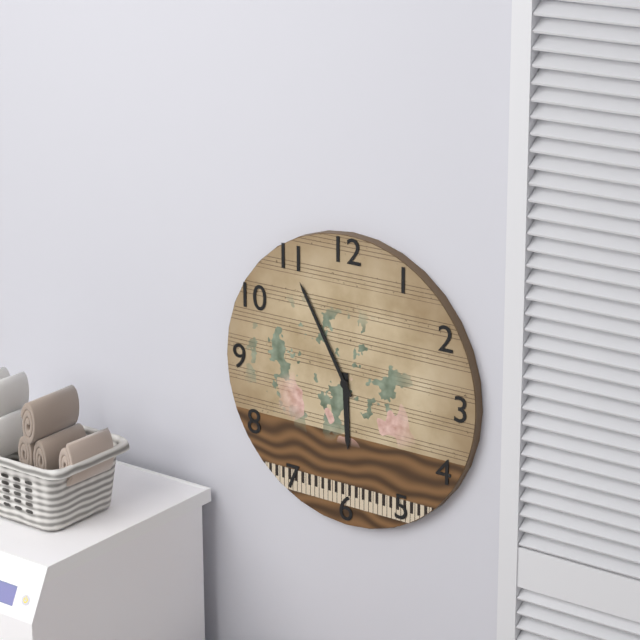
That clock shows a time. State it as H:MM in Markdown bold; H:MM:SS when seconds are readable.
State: **5:55**
